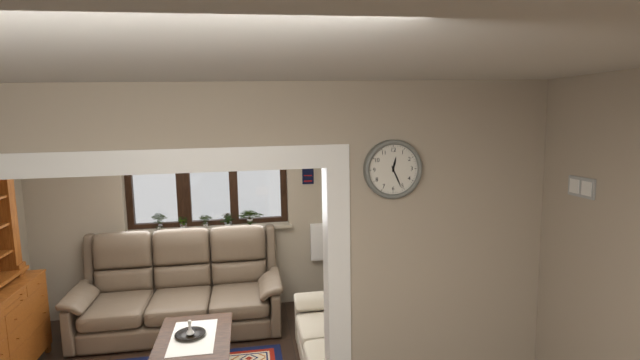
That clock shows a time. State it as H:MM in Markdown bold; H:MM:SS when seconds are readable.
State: **12:26**
